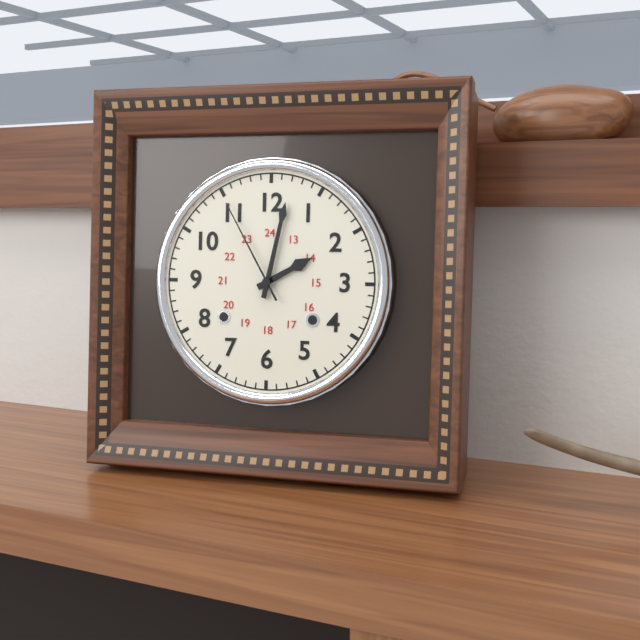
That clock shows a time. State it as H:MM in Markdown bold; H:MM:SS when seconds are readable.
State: **2:02:55**
